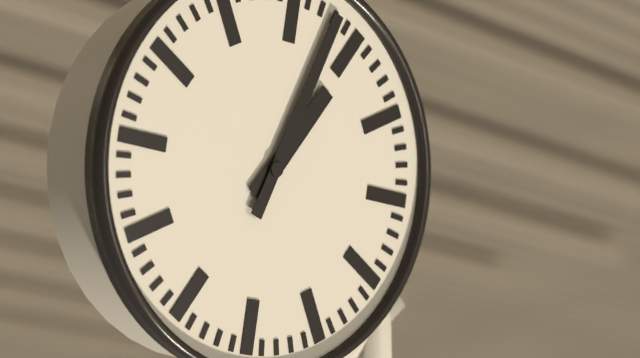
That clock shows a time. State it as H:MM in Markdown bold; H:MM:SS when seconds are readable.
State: **1:03**
